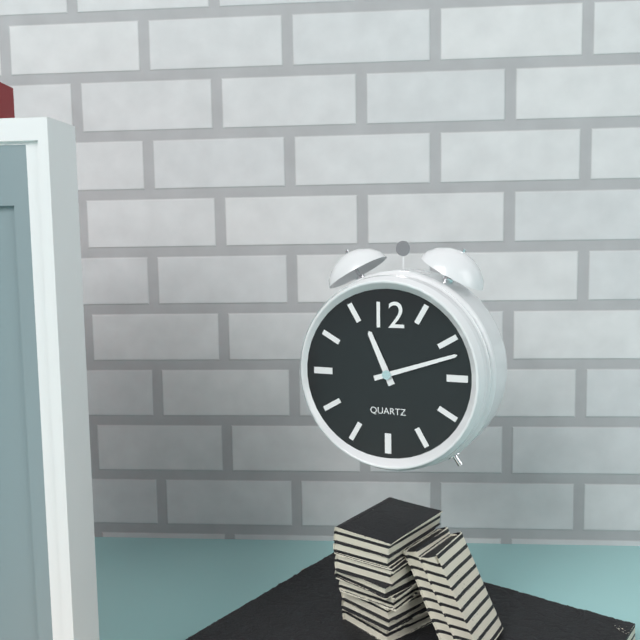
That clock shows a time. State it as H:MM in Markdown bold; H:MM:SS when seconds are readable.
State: **11:12**
